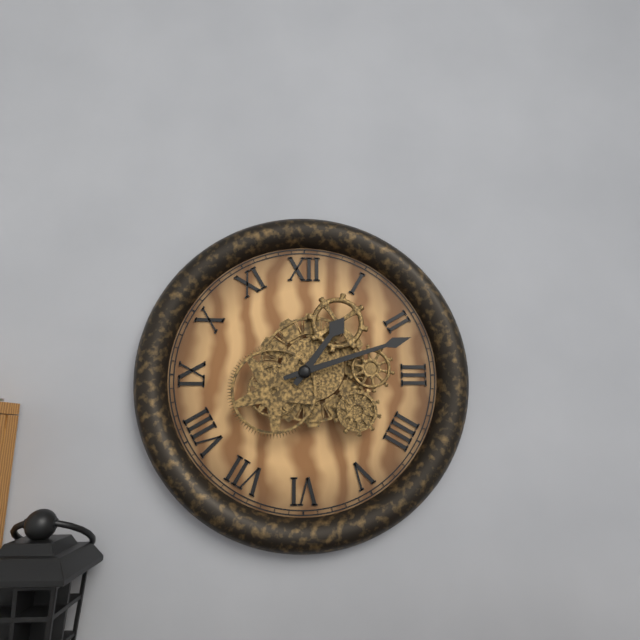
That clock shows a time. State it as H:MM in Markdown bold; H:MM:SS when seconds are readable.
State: **1:12**
